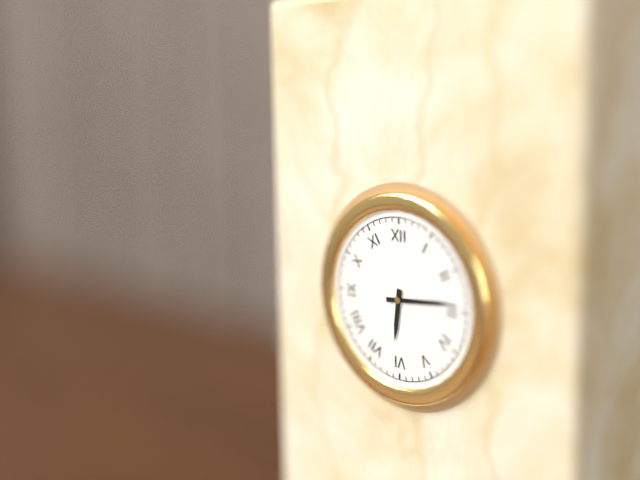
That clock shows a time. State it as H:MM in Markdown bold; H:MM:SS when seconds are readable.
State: **6:14**
